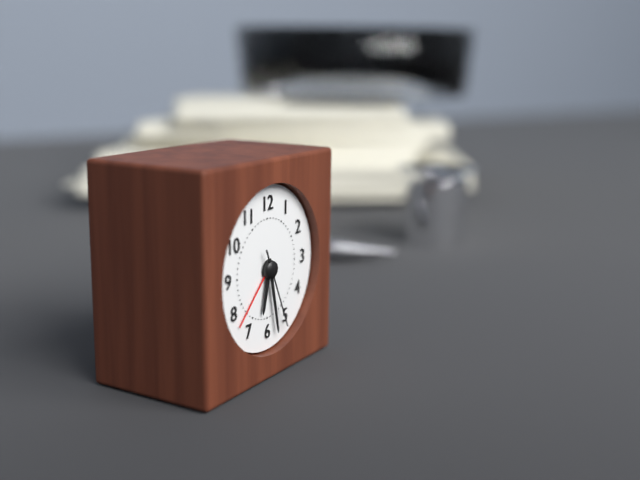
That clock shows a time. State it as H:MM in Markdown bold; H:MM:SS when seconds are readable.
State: **6:28:26**
